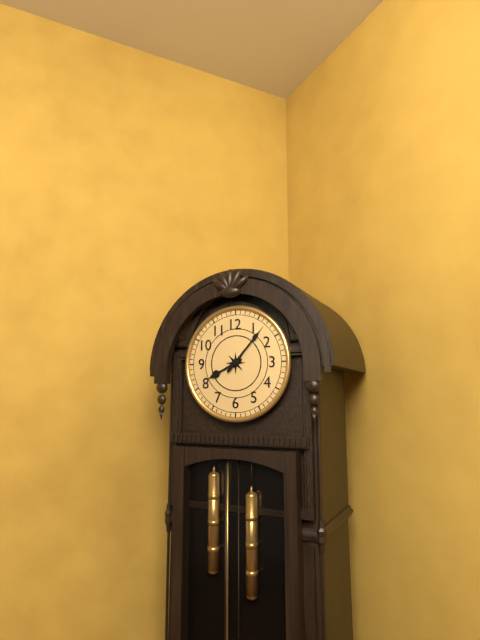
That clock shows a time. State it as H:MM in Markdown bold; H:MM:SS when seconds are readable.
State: **8:07**
